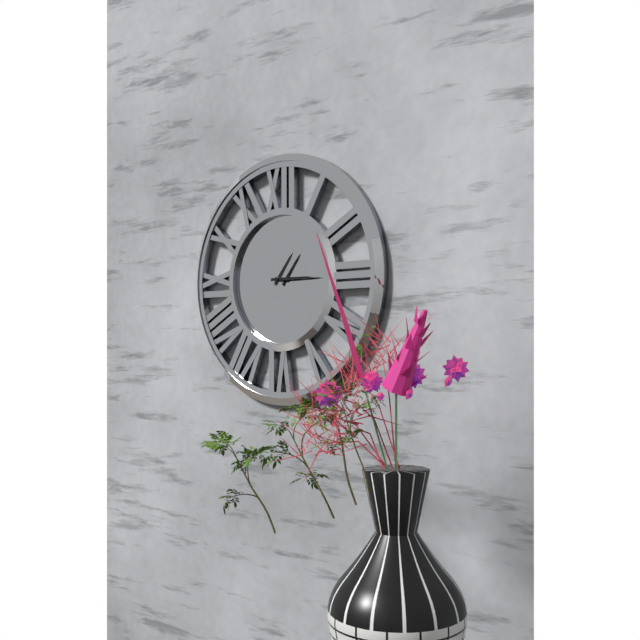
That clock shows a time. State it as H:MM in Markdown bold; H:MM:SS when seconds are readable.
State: **1:15**
